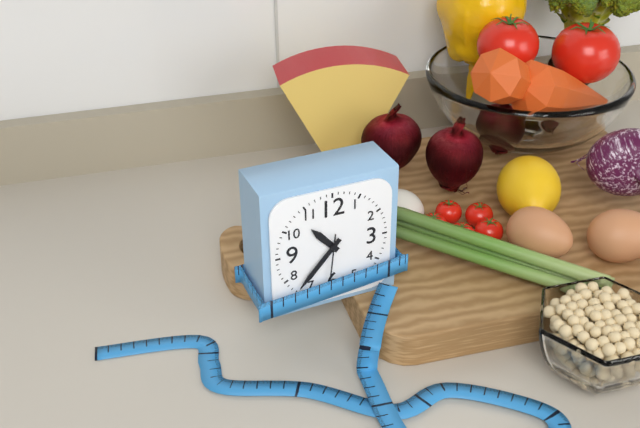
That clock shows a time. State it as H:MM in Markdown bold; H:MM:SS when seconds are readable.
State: **10:37:31**
